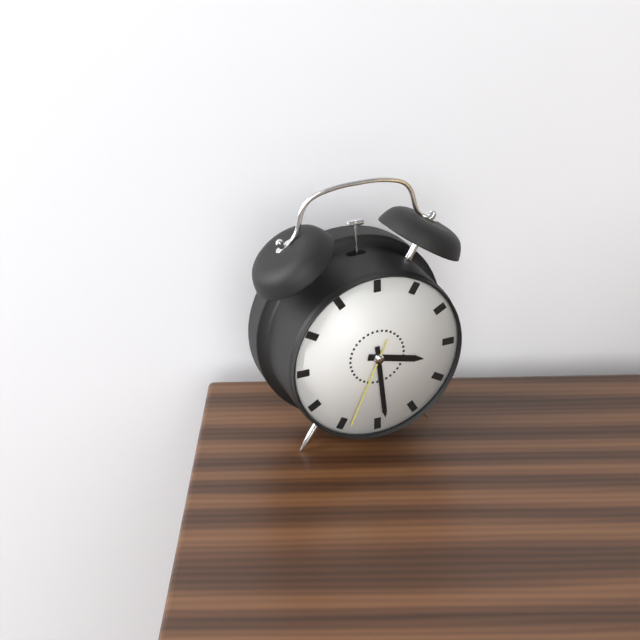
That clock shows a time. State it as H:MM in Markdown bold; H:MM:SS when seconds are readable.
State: **3:29:34**
